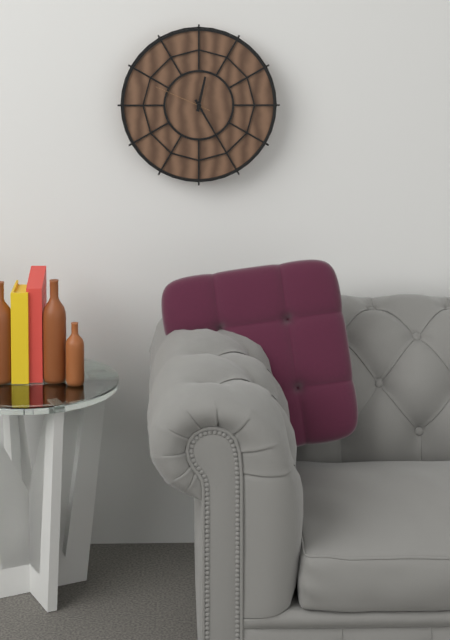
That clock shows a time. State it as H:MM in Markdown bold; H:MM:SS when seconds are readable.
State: **12:25:49**
